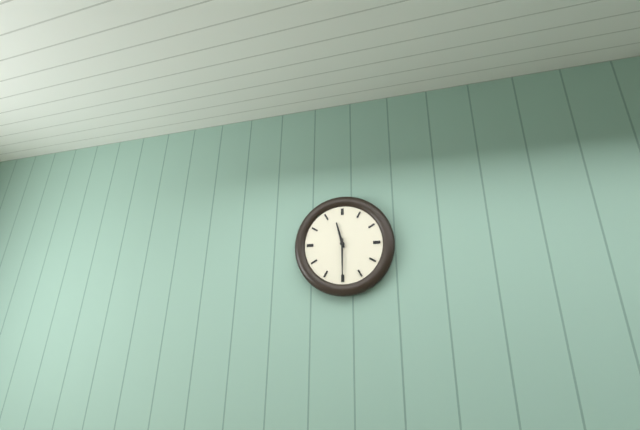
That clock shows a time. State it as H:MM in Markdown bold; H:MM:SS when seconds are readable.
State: **11:30**
